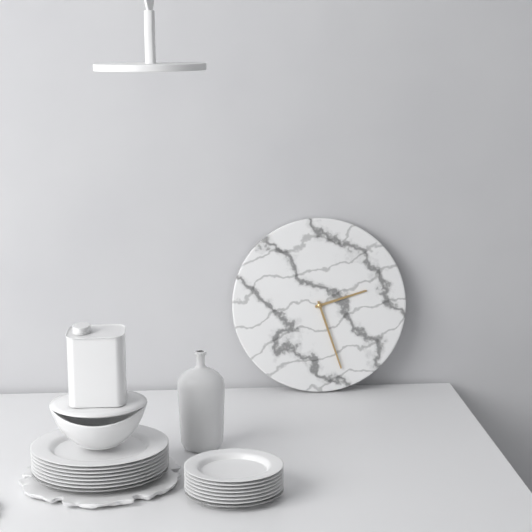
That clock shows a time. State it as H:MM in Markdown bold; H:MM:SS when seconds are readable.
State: **2:27**
